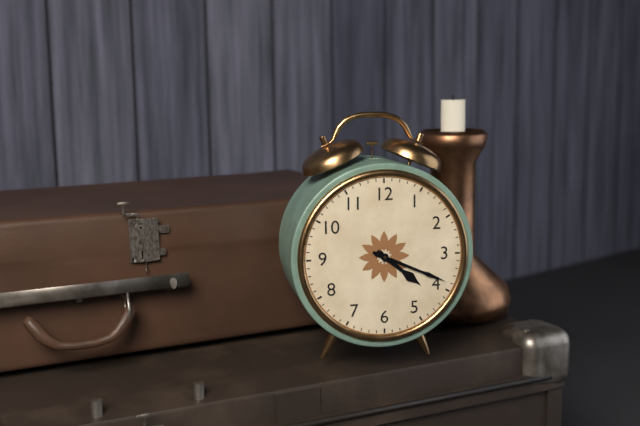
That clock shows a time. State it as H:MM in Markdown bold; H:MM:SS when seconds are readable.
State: **4:19**
